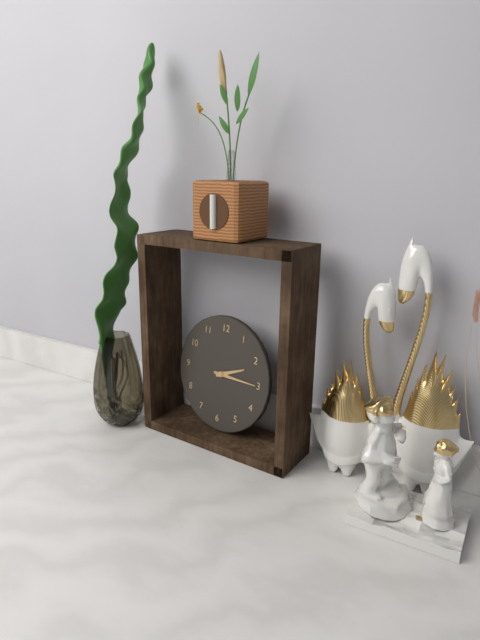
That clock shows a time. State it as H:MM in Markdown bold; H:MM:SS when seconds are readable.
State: **2:15**
